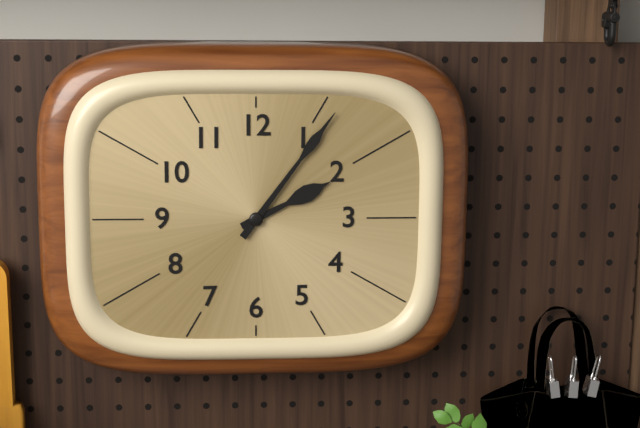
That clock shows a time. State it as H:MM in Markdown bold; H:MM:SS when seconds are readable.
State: **2:06**
